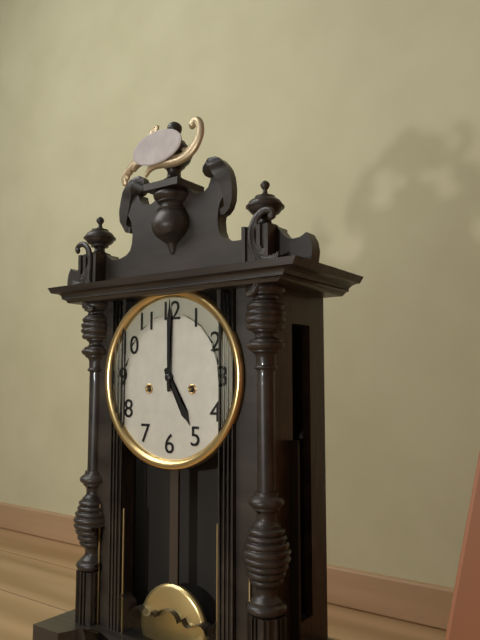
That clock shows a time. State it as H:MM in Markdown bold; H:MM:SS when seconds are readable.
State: **5:00**
